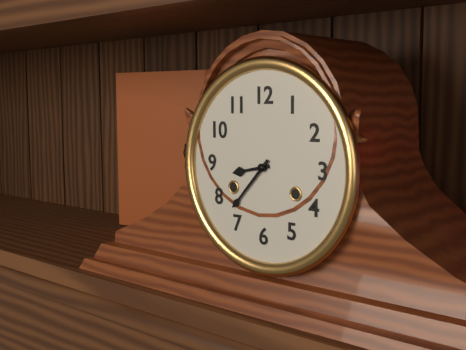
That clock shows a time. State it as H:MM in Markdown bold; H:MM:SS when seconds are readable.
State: **8:37**
